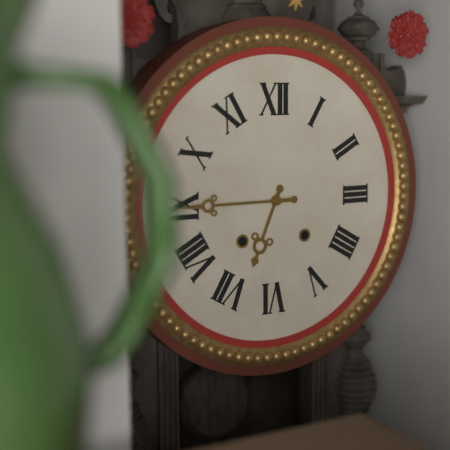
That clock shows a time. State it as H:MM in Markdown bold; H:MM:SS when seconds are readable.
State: **6:45**
